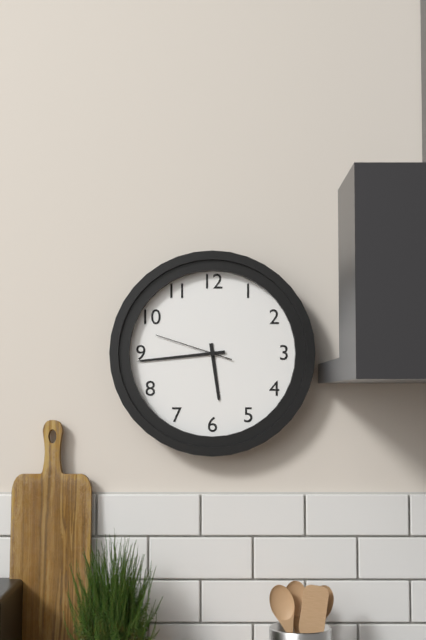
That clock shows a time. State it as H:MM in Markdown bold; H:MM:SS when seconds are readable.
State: **5:44:48**
